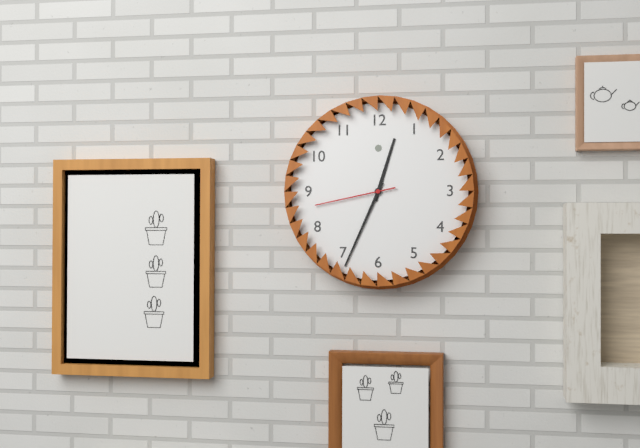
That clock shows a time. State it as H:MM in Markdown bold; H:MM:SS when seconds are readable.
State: **12:34:43**
